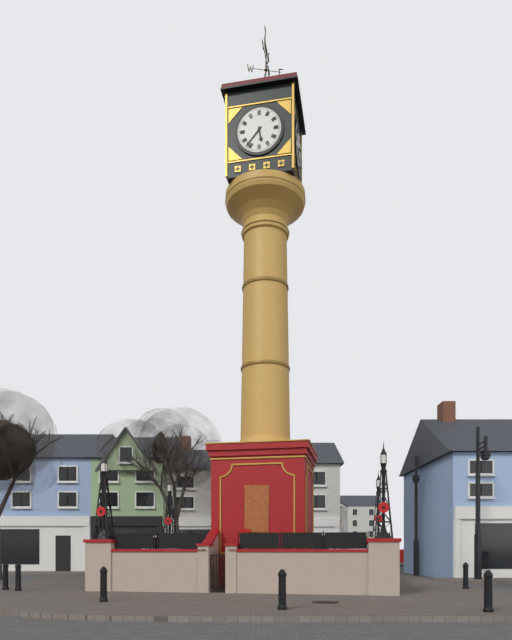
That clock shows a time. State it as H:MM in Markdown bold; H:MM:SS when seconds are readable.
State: **5:37**
